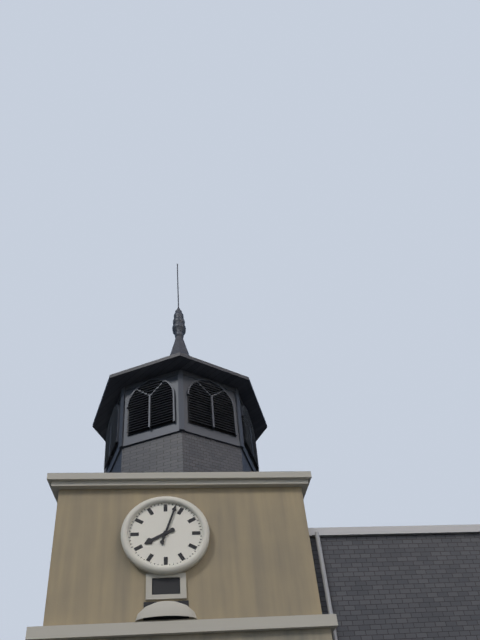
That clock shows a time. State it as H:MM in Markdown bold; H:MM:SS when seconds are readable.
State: **8:03**
